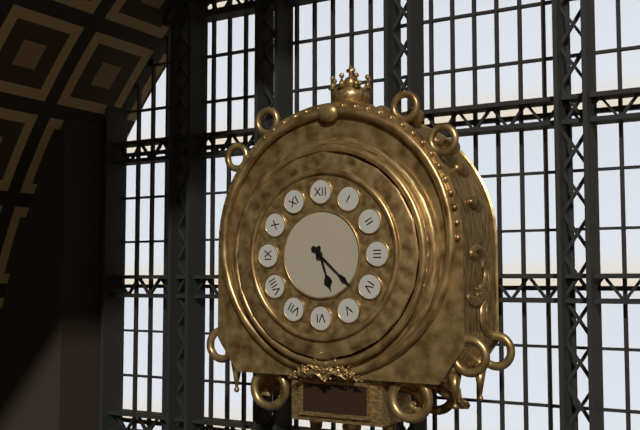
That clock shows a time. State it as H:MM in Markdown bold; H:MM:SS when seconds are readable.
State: **5:22**
